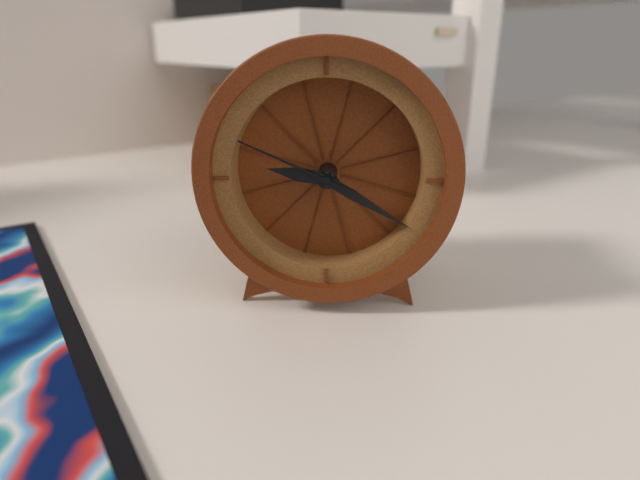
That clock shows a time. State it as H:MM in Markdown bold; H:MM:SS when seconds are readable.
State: **9:20:49**
